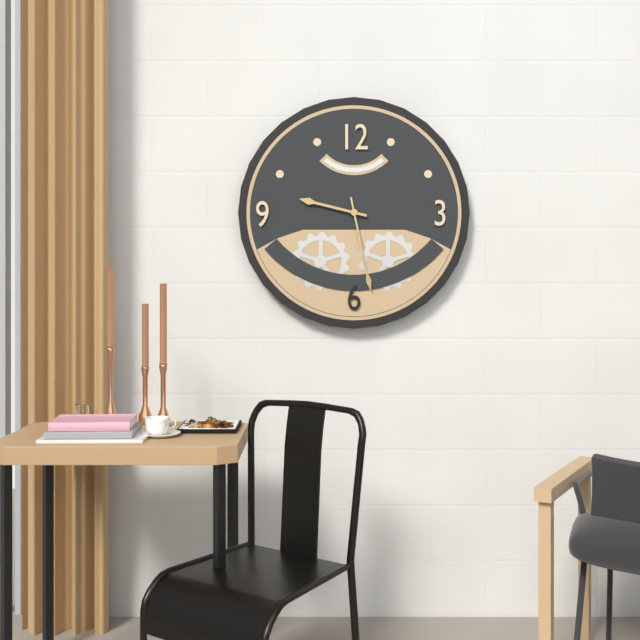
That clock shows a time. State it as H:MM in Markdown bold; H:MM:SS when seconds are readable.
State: **9:28**
